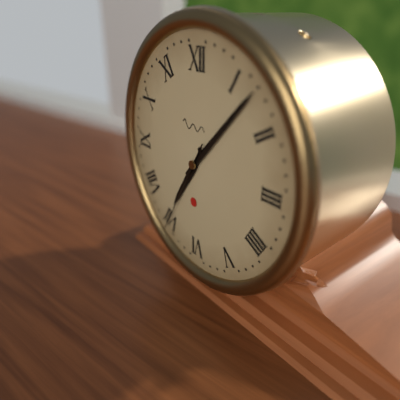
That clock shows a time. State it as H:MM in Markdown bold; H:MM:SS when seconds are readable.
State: **7:07:35**
